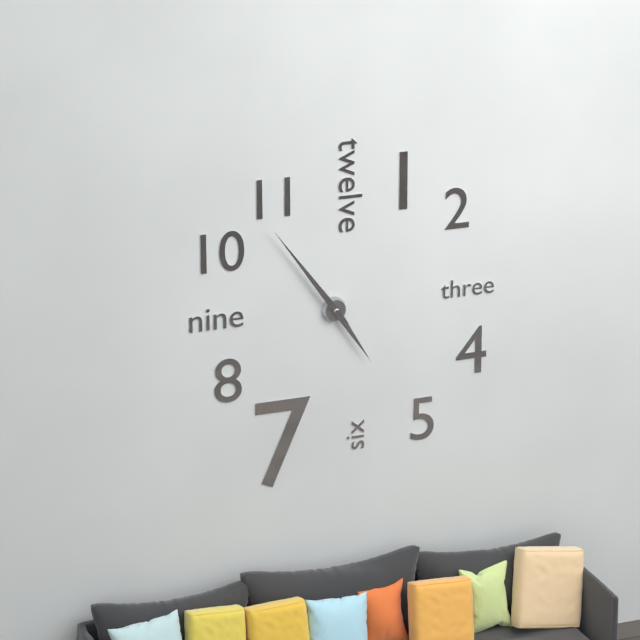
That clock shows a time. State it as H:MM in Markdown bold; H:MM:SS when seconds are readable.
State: **4:54**
